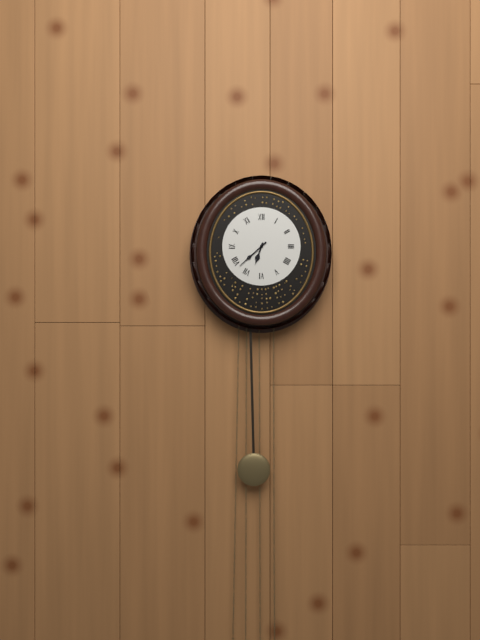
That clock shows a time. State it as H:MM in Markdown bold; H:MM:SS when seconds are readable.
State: **6:38**
